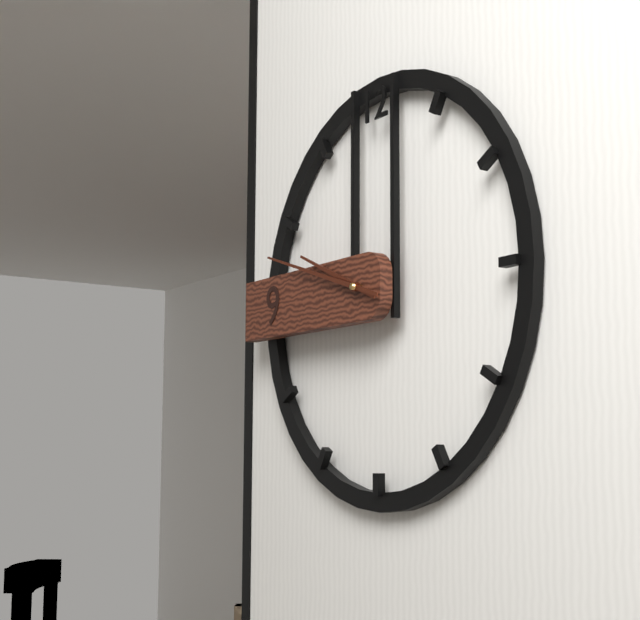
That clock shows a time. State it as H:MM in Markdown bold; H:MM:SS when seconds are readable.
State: **9:48**
